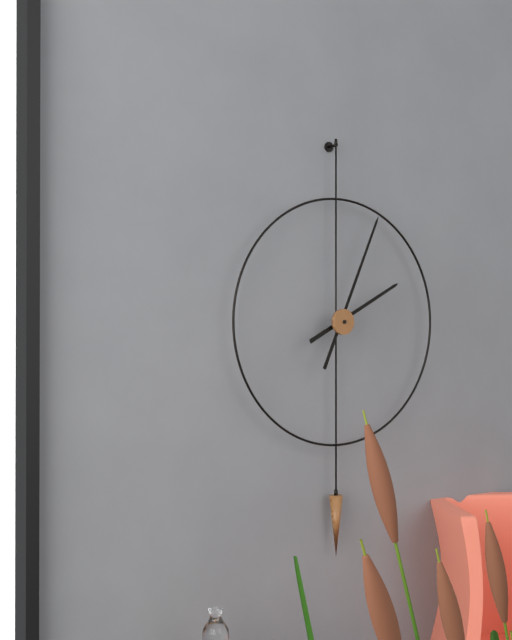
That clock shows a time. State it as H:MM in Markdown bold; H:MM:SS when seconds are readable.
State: **2:04**
